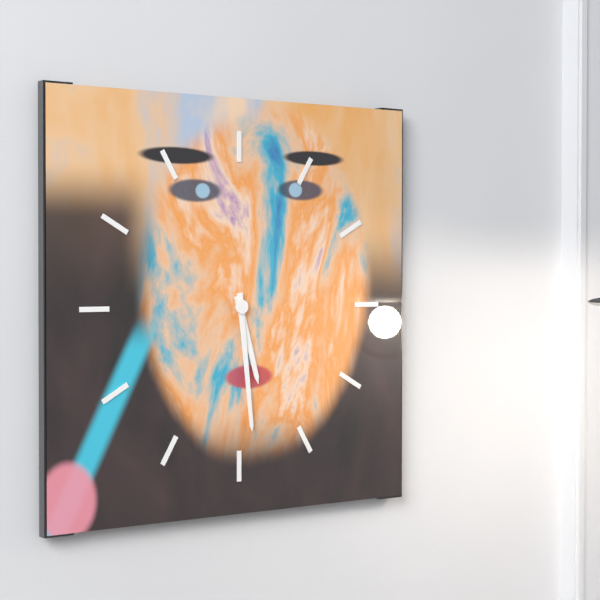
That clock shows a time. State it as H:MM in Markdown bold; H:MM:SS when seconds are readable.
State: **5:29**
